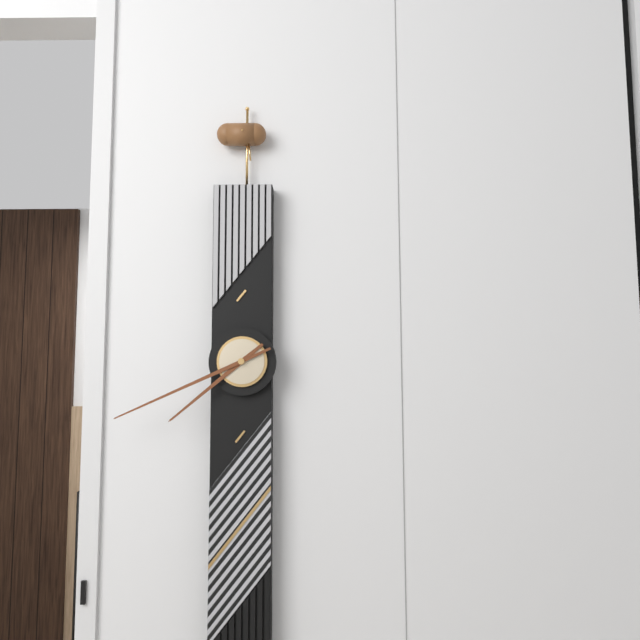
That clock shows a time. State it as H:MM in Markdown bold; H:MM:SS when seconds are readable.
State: **7:41**
